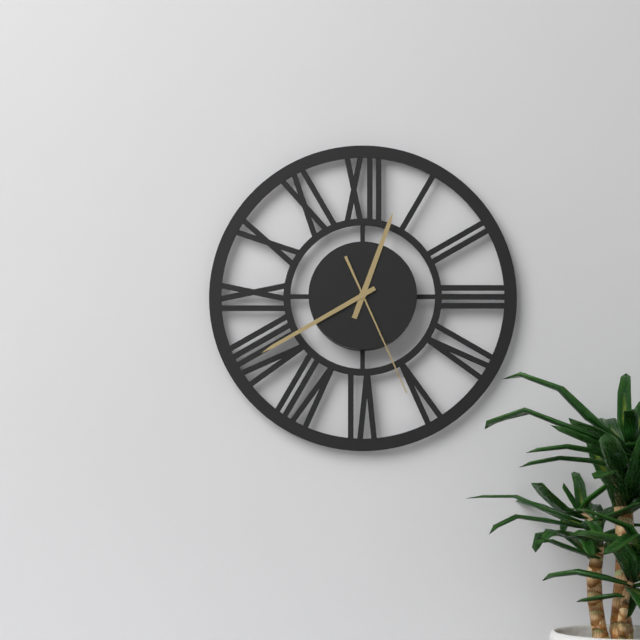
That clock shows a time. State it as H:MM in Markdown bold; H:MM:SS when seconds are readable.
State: **12:40:26**
